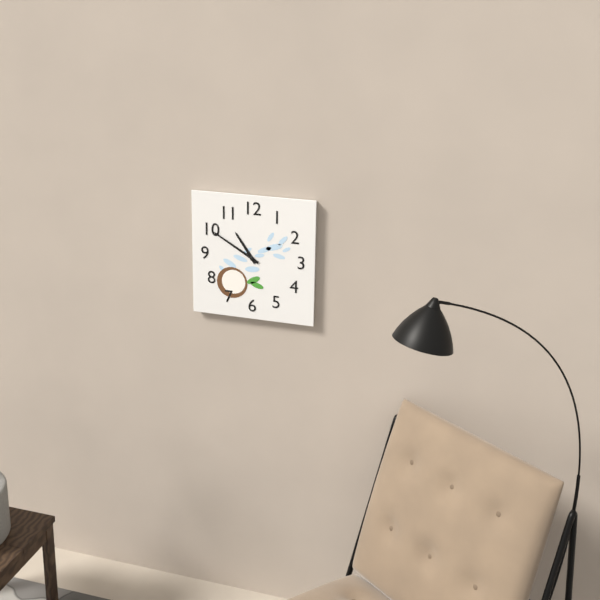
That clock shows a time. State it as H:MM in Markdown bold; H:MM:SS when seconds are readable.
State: **10:50**
